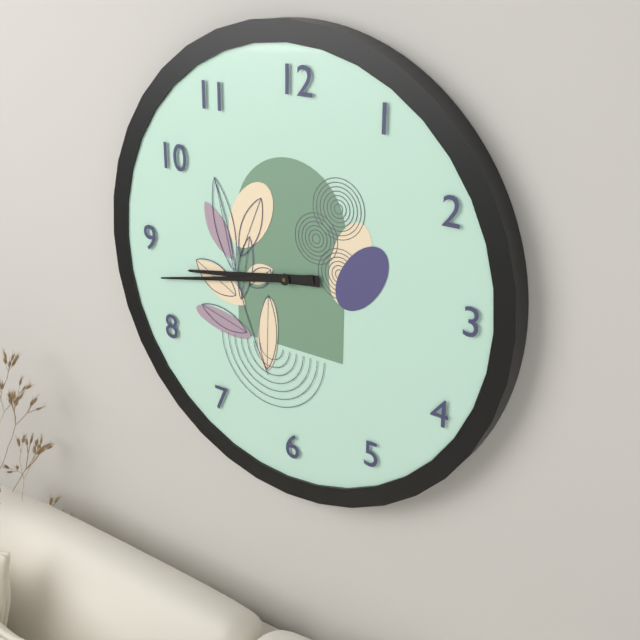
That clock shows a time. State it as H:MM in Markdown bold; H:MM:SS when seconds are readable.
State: **8:43**
